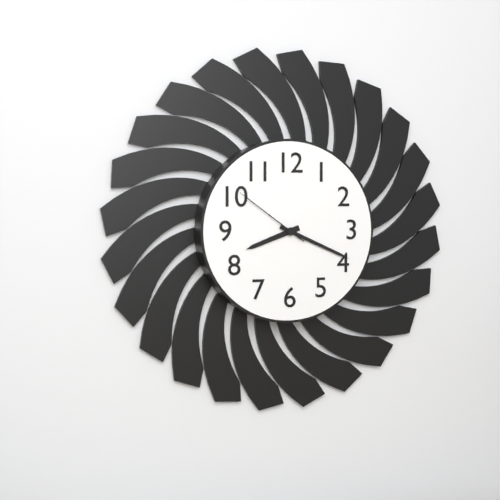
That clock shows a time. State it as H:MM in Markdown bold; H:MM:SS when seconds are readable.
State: **8:19:51**
